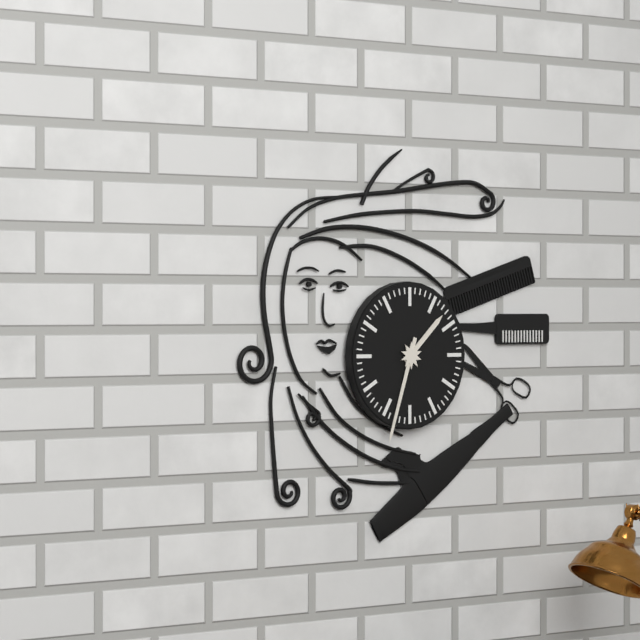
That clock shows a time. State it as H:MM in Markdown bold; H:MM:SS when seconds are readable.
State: **1:33**
